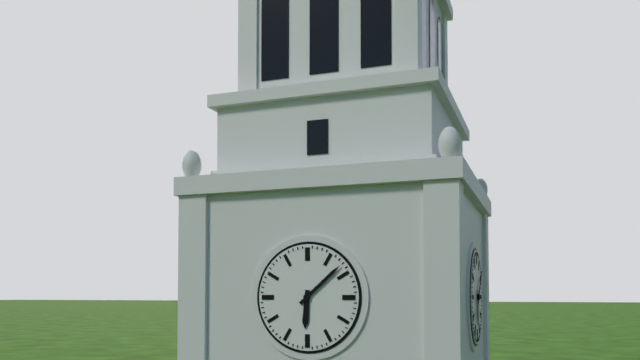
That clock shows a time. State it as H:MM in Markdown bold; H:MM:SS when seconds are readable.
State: **6:08**
